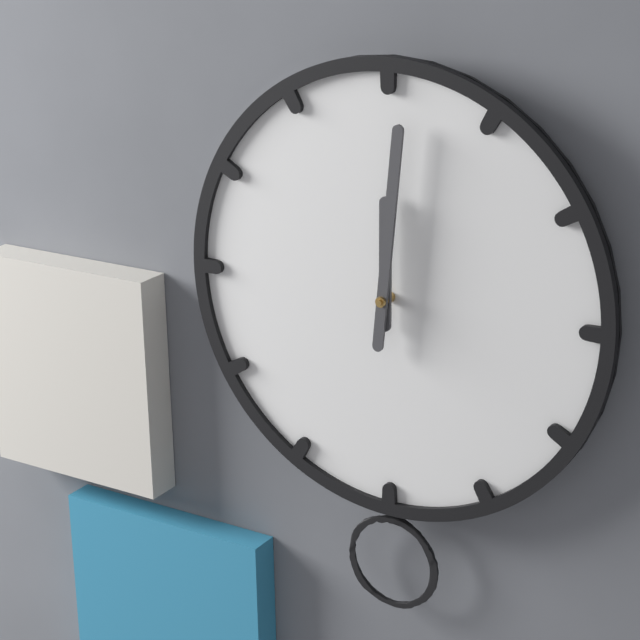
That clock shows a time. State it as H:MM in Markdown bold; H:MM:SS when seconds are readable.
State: **12:01**
